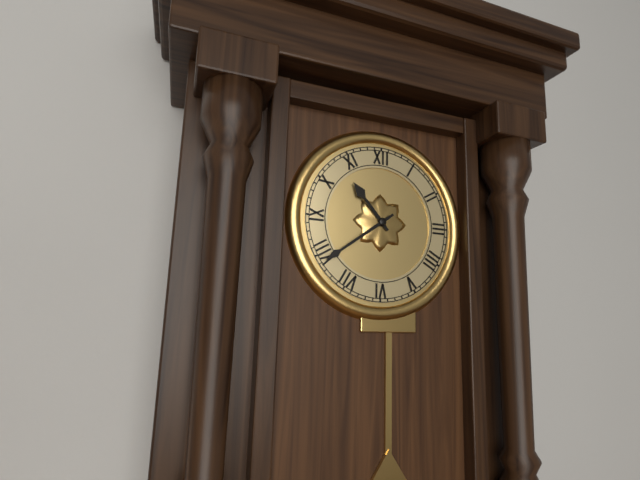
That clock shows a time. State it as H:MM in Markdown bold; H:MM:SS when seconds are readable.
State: **10:39**
